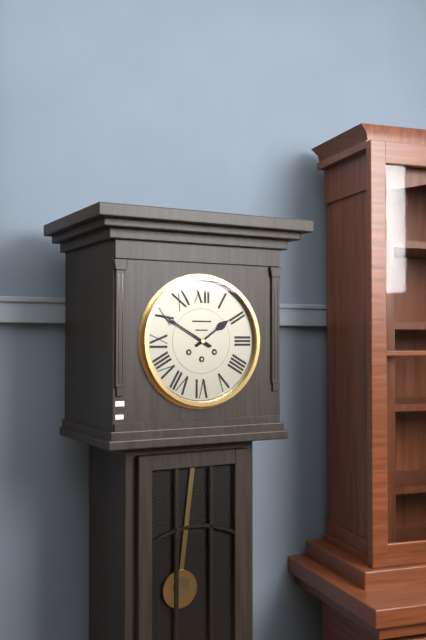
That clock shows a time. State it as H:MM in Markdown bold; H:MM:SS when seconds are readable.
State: **1:50**
